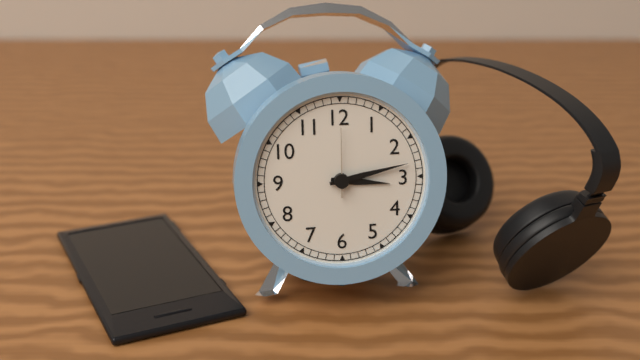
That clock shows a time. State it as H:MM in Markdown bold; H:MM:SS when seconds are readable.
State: **3:13:00**
